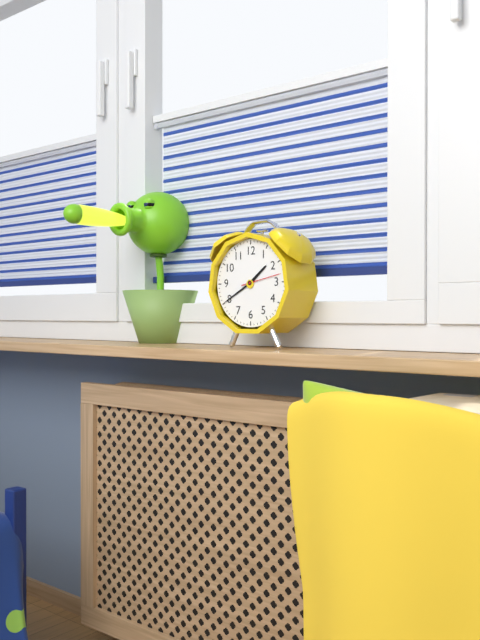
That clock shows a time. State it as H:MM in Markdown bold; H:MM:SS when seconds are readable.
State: **1:40**
